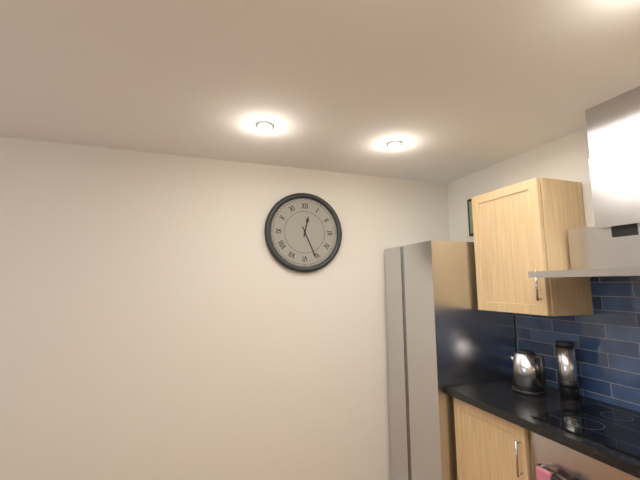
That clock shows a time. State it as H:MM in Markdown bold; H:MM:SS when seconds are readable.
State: **12:26**
